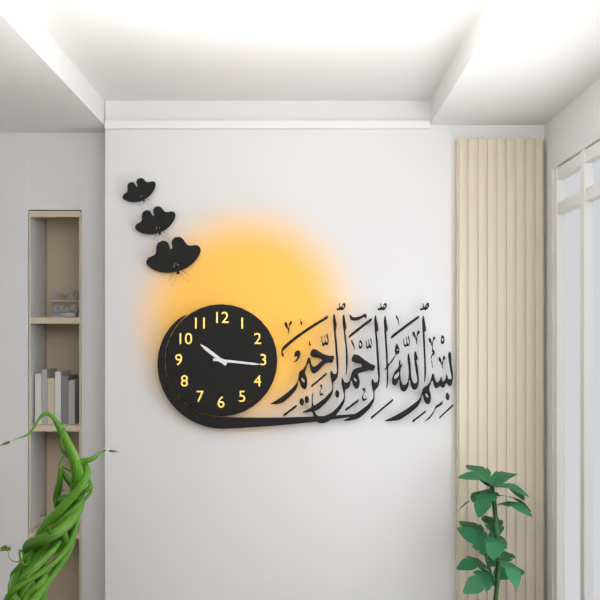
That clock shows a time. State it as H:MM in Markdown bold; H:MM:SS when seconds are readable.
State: **10:16**
